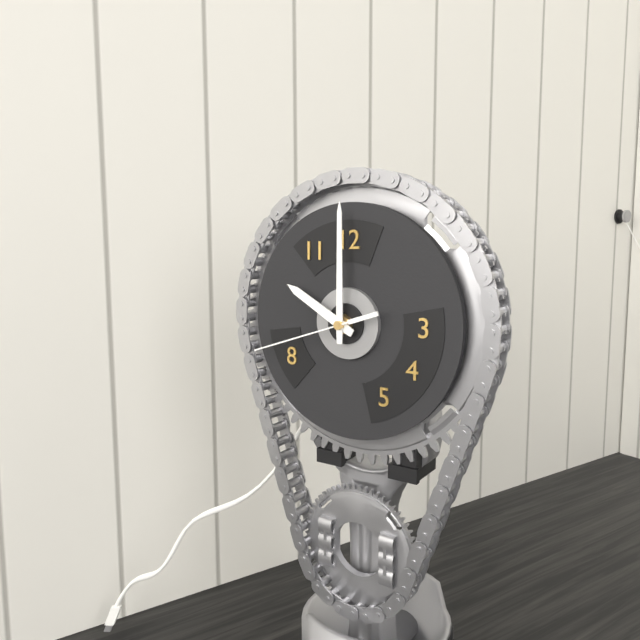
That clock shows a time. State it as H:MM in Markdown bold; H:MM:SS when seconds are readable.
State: **10:00:42**
